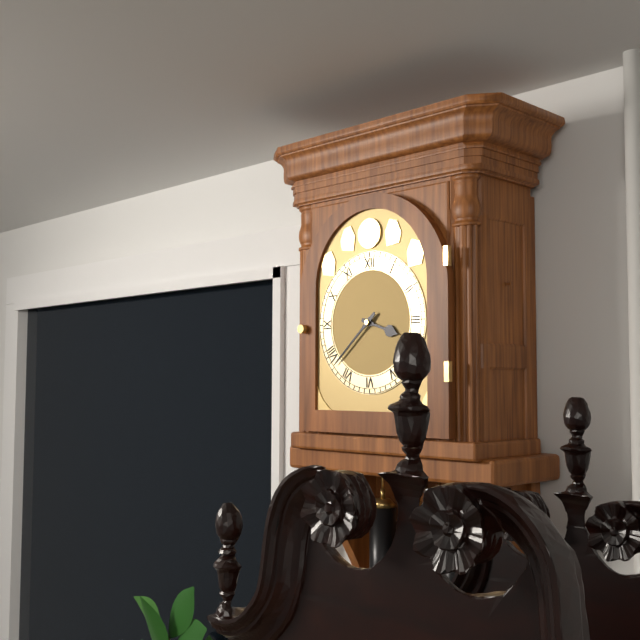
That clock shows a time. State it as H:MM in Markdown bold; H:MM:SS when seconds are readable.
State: **3:38**
